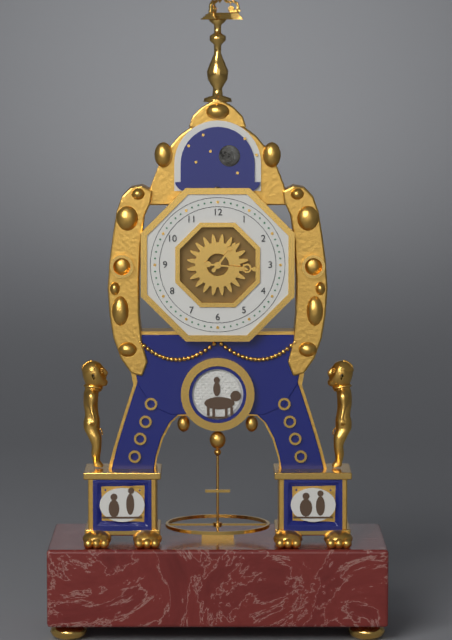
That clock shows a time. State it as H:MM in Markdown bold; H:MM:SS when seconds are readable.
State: **1:16**
